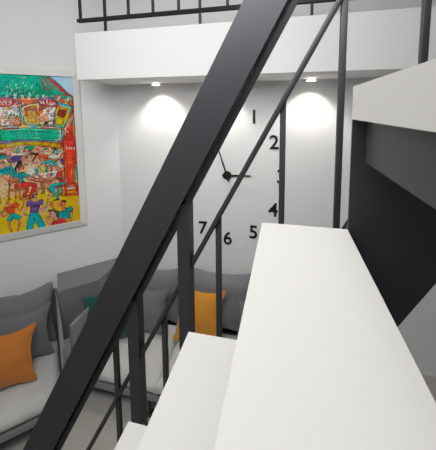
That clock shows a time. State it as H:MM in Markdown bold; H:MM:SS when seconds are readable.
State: **2:57**
